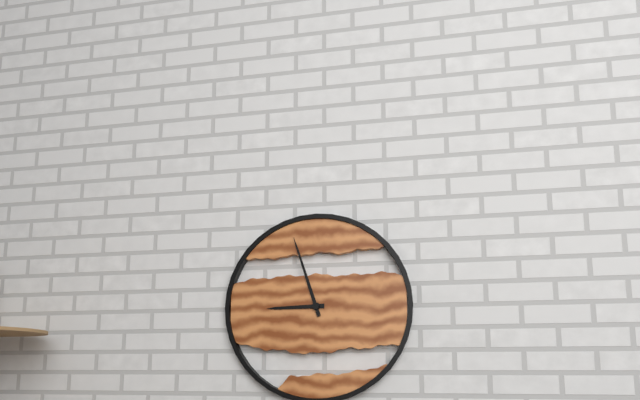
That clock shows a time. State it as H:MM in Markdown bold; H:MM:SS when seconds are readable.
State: **8:57**
